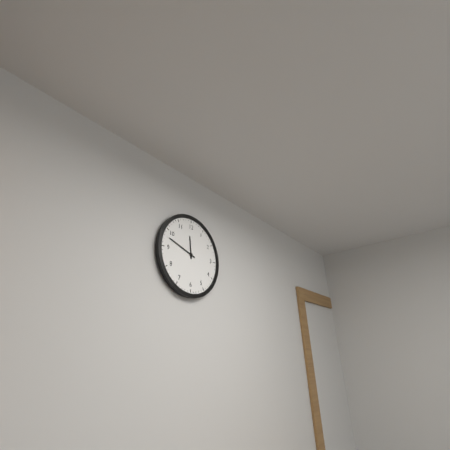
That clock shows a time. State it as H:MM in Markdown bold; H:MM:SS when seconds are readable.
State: **11:48**
